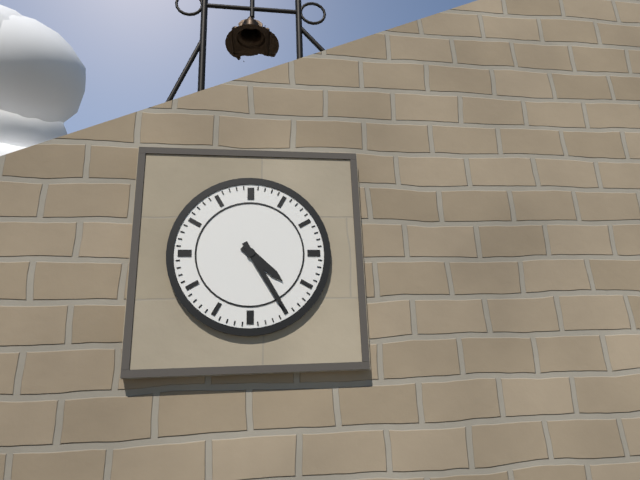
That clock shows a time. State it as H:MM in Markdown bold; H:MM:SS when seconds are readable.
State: **4:25**
